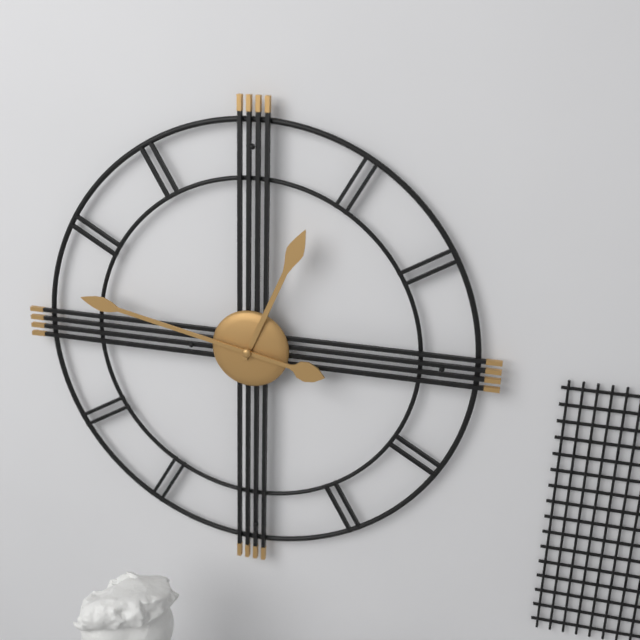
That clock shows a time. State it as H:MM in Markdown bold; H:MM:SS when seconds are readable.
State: **12:47**
